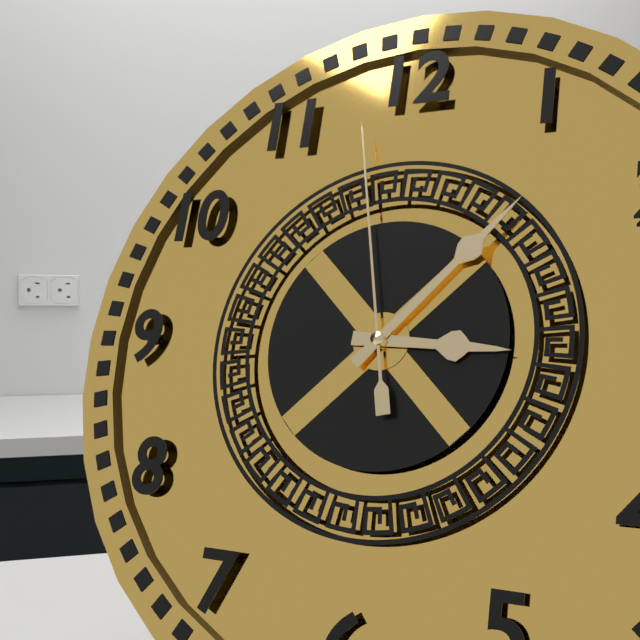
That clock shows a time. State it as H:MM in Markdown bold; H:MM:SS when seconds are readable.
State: **3:07:58**
